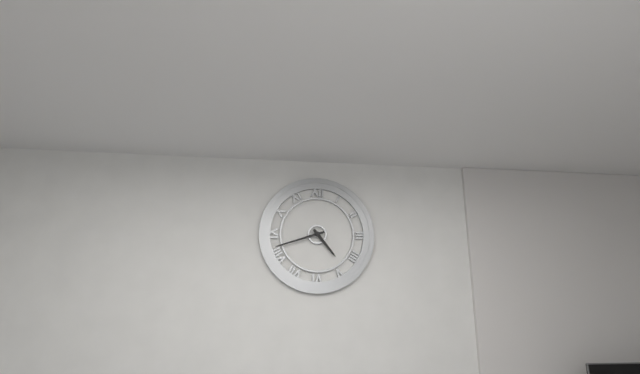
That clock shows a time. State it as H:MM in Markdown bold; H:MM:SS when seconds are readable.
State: **4:42**
